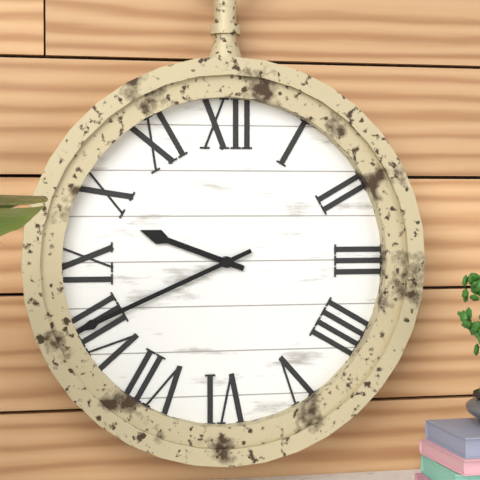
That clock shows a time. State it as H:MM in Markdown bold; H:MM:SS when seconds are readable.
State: **9:41**
